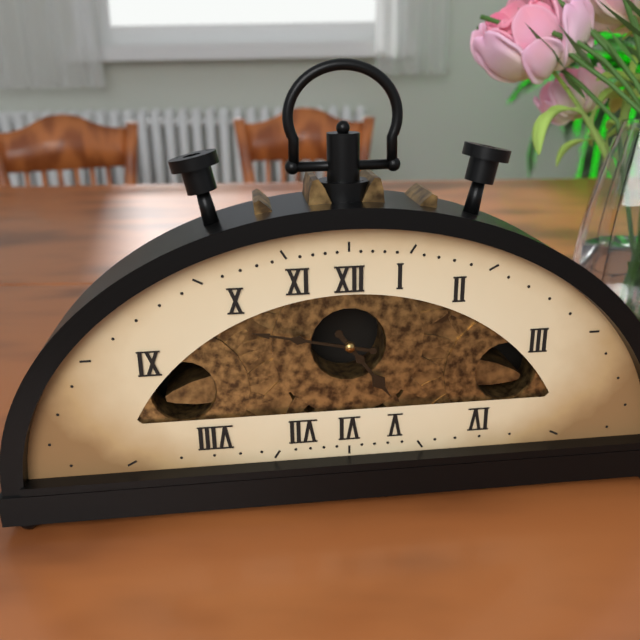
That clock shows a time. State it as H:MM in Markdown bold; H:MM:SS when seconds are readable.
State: **4:47**
